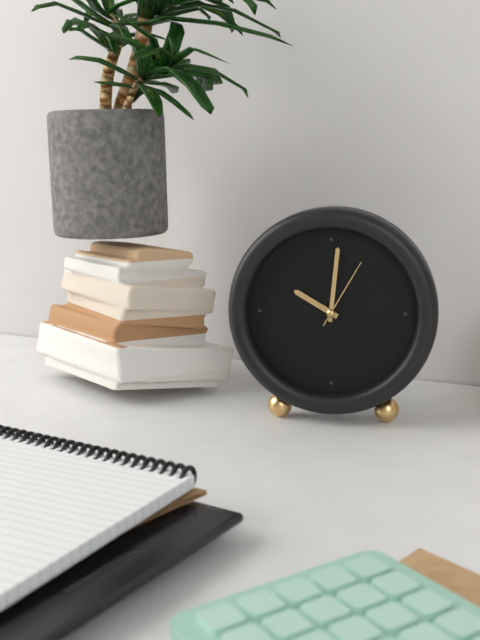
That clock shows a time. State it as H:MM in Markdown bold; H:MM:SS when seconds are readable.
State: **10:01:05**
